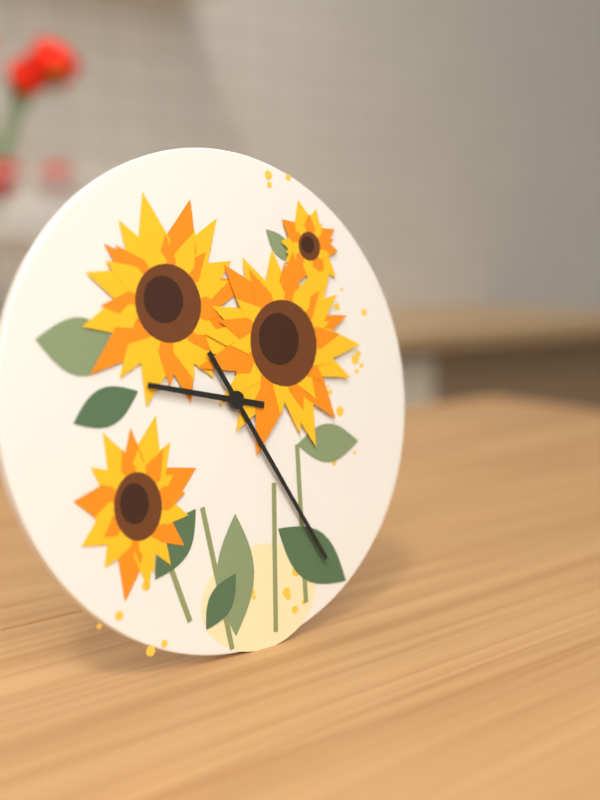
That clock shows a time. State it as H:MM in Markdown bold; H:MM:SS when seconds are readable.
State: **9:25**
